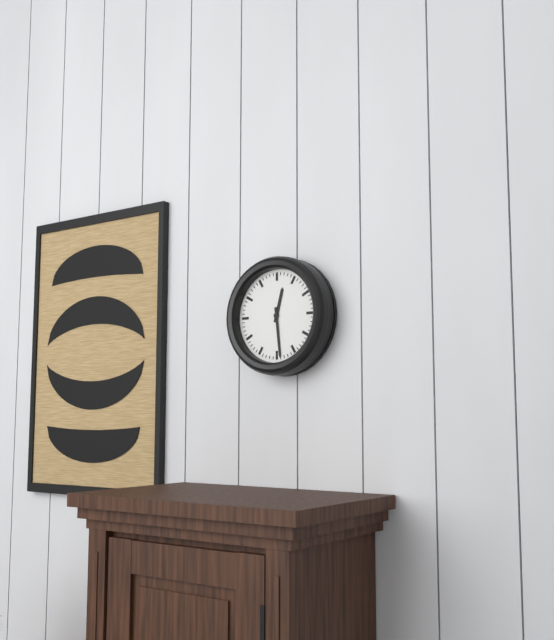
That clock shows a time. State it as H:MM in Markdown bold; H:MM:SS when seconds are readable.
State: **12:29**
